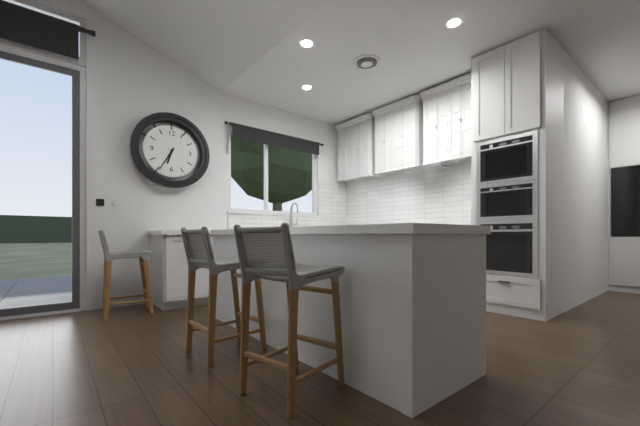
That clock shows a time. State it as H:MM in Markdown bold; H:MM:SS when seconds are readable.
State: **6:35**
